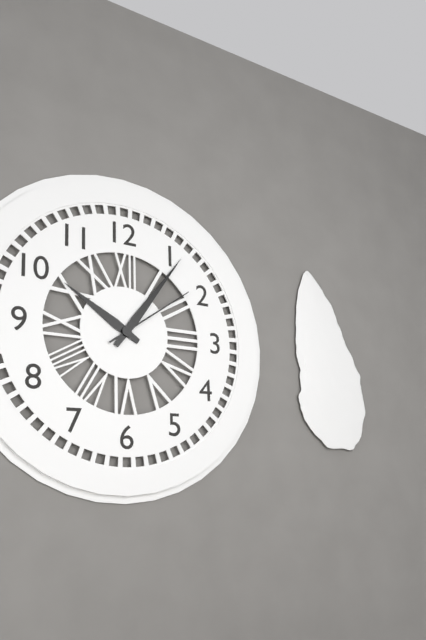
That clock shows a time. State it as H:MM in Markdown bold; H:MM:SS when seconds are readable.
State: **10:06:09**
